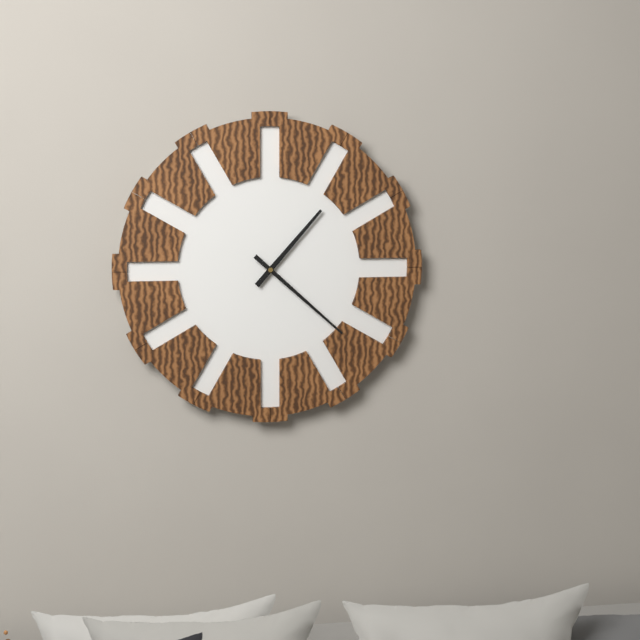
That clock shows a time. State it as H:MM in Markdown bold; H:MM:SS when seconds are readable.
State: **1:22**
